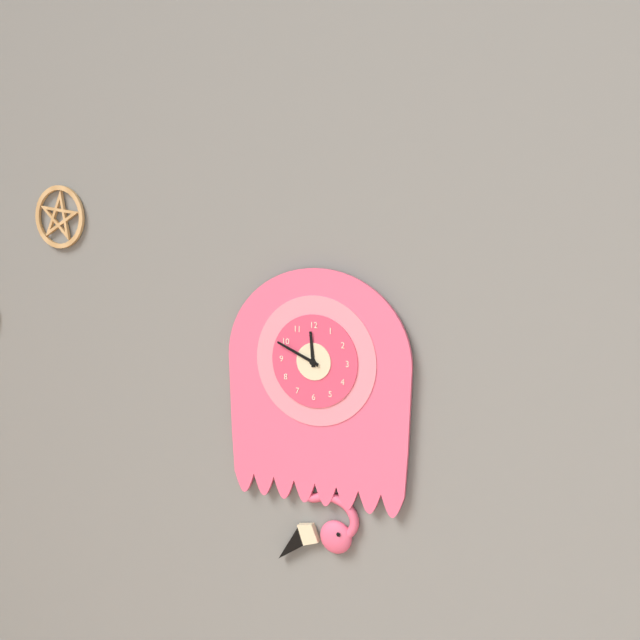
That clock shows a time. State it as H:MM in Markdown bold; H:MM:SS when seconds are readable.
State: **11:49**
